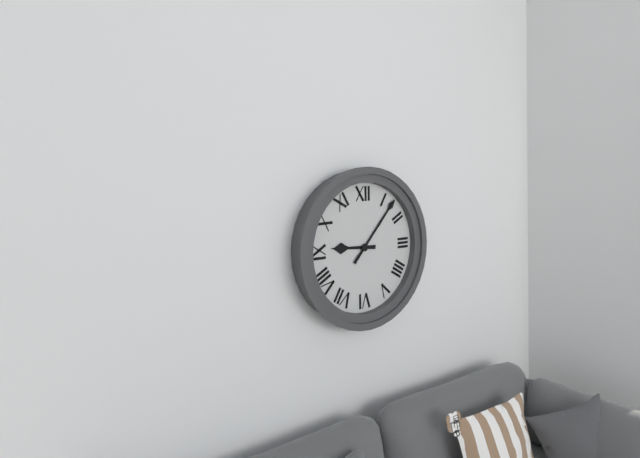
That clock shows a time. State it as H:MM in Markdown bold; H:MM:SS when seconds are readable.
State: **9:07**
